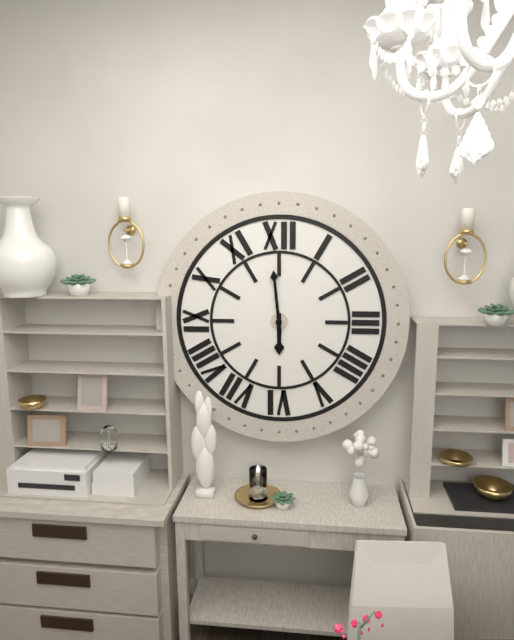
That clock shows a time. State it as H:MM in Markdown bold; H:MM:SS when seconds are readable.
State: **5:59**
